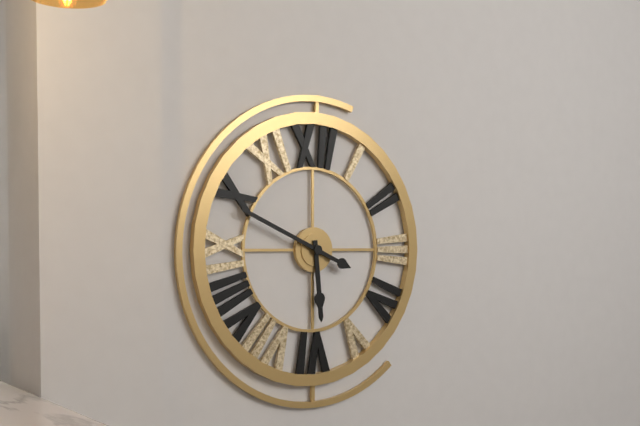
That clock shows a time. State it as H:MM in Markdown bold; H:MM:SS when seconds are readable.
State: **5:49**
